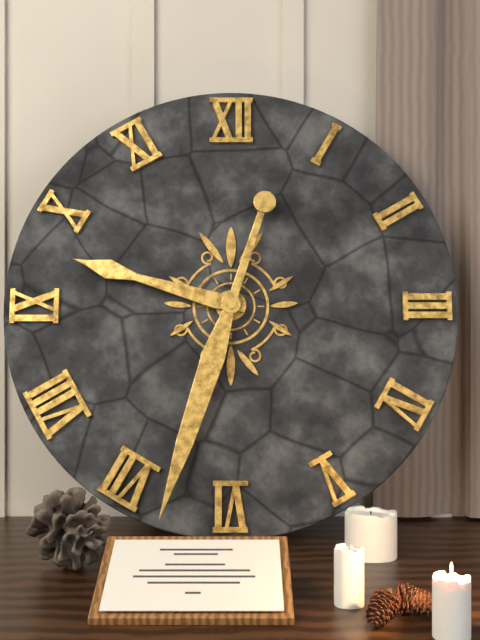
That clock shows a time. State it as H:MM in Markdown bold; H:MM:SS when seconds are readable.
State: **9:33**
